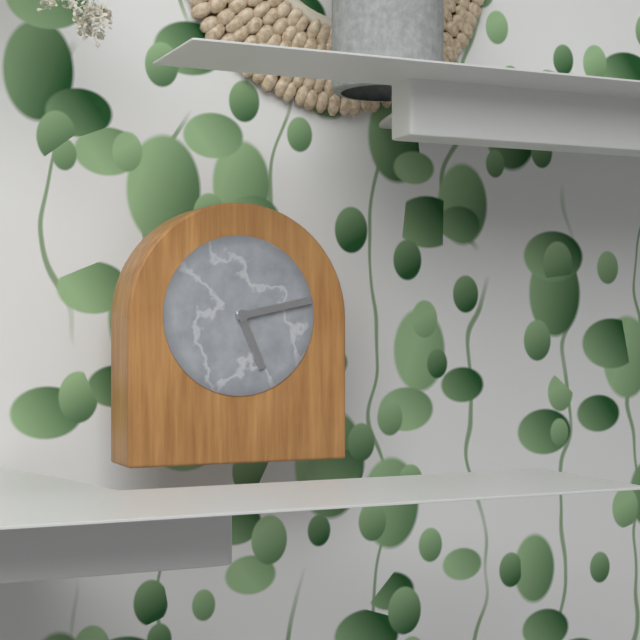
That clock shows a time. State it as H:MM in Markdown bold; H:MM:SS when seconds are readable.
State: **5:13**
